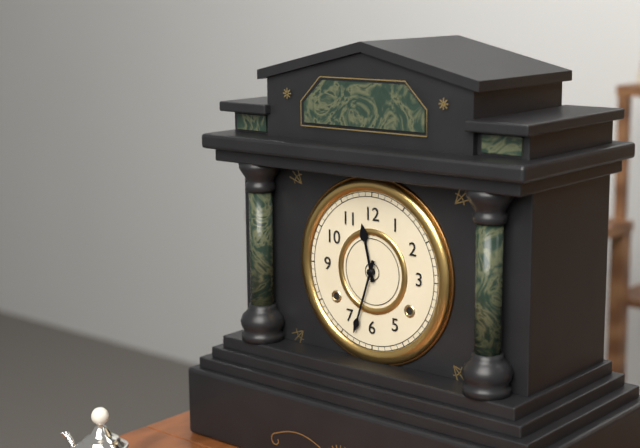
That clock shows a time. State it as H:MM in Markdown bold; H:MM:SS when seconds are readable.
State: **11:33**
